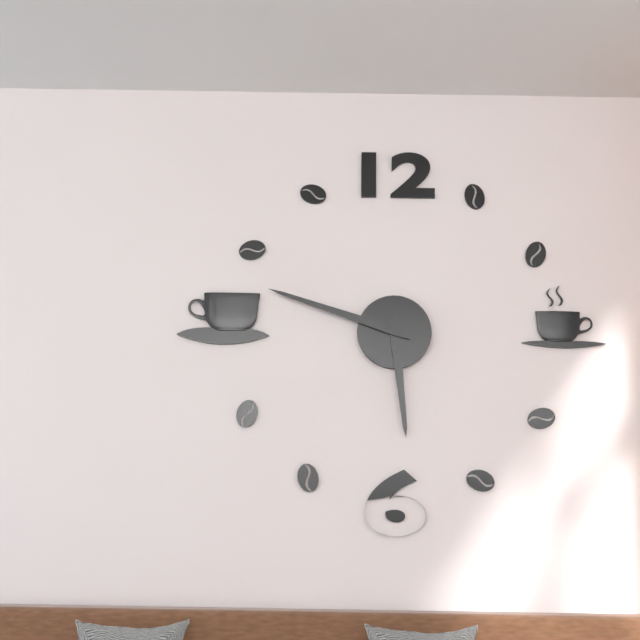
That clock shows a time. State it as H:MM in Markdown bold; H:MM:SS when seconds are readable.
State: **5:48**
